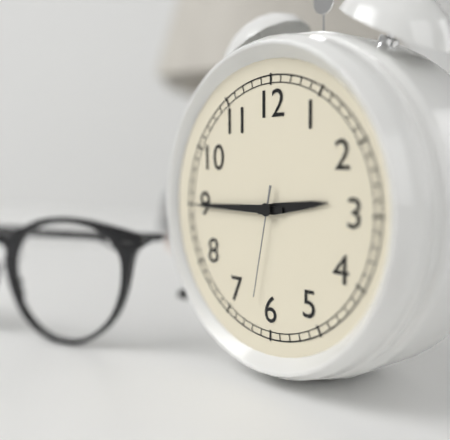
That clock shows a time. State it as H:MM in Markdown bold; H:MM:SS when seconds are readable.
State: **2:45:32**
